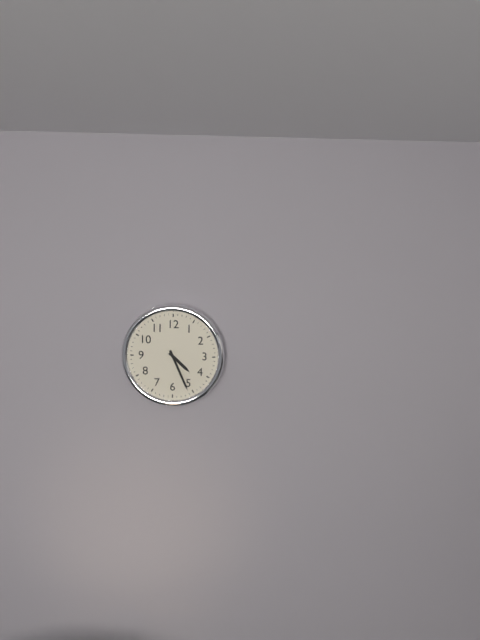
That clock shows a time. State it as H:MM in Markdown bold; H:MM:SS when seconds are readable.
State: **4:26**
